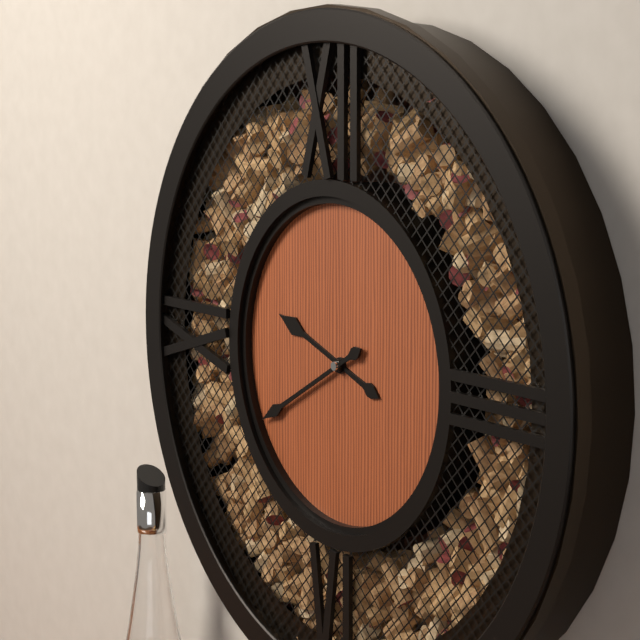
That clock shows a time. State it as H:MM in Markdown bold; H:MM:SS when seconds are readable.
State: **9:40**
